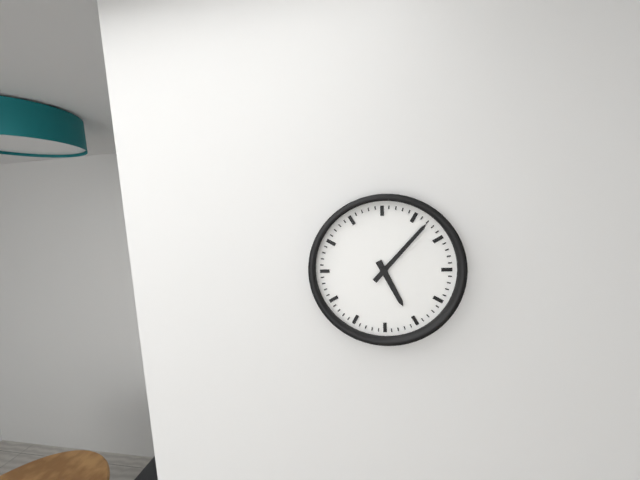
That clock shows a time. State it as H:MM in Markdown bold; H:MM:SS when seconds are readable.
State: **5:07**
